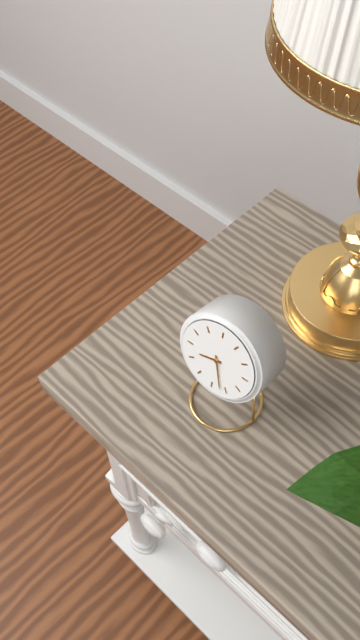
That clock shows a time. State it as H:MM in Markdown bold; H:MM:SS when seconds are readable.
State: **8:27**
